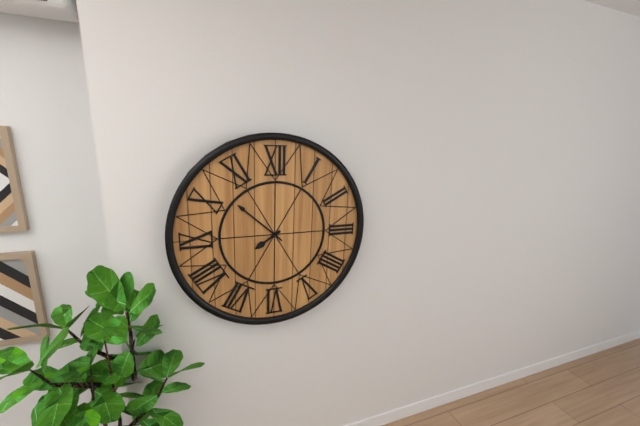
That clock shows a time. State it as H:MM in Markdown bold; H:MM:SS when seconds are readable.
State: **7:52**
